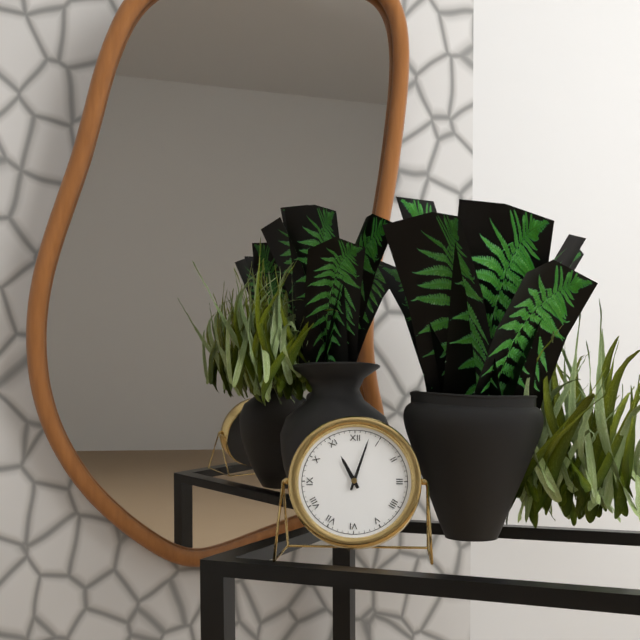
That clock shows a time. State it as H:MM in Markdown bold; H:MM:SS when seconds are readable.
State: **11:03**
